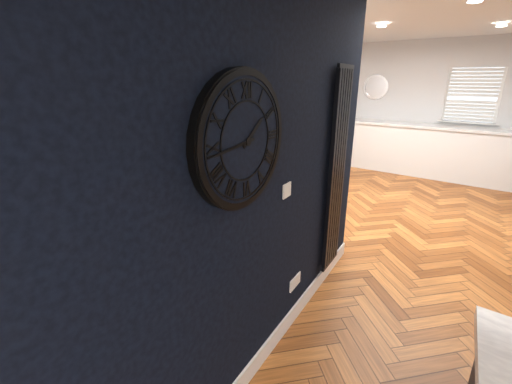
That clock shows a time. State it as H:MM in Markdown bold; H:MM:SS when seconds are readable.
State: **1:44**
